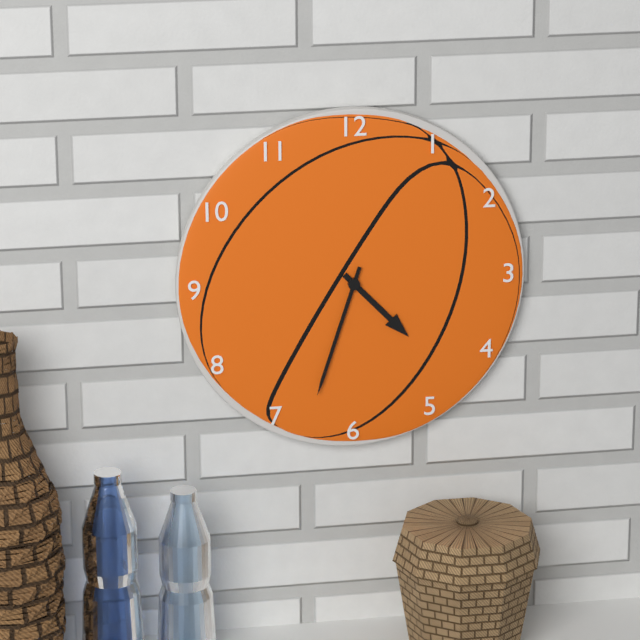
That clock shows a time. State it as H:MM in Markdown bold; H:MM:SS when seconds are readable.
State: **4:33**
